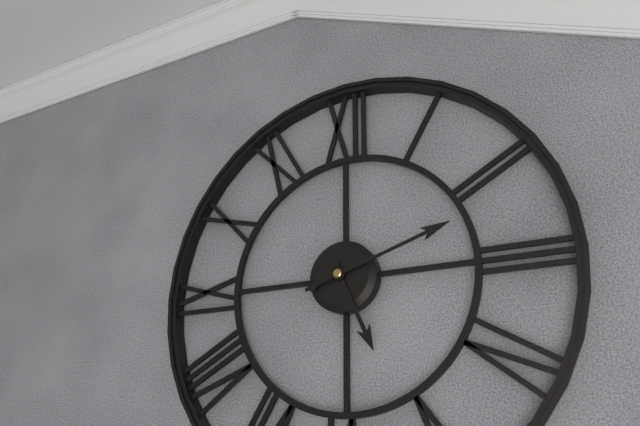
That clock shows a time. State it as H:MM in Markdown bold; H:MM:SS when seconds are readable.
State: **5:12**
